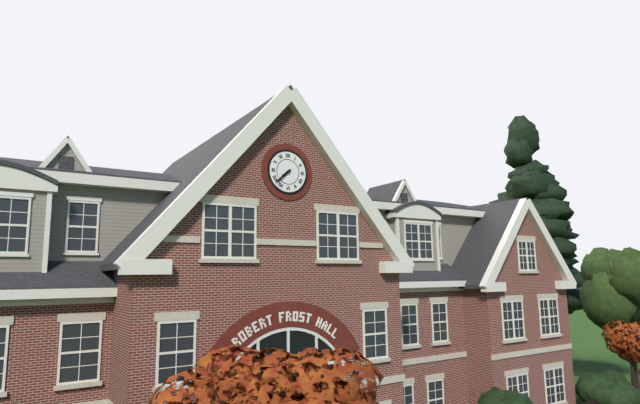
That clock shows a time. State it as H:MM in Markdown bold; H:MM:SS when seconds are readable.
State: **7:38**
